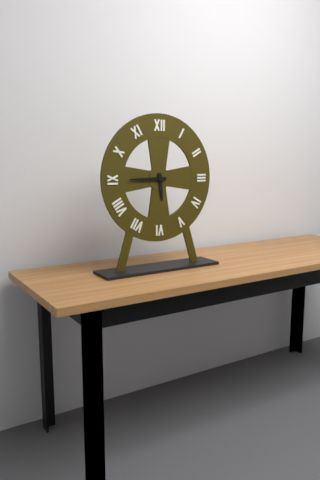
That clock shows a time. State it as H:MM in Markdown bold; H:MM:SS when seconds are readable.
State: **5:45**
